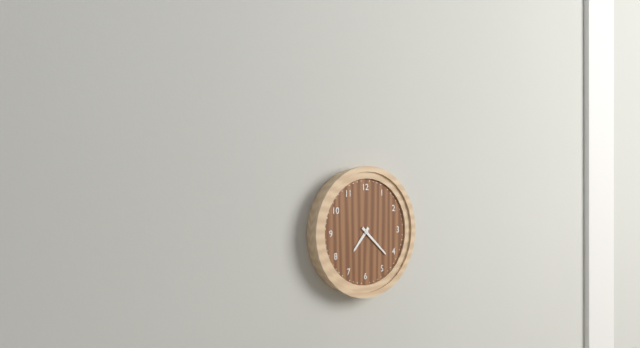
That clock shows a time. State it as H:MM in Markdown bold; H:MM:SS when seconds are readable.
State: **7:22**
